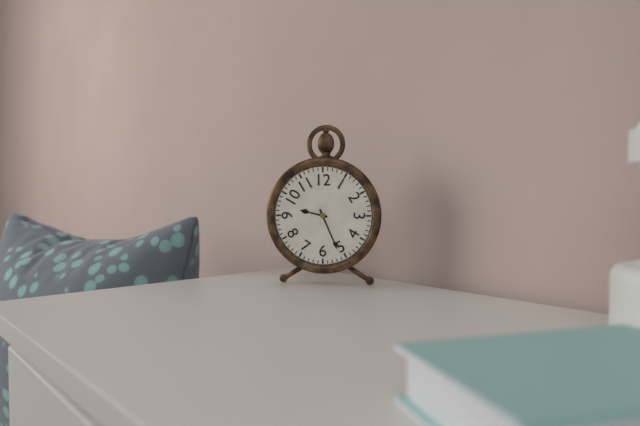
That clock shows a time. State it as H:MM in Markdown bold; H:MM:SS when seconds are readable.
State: **9:26**
